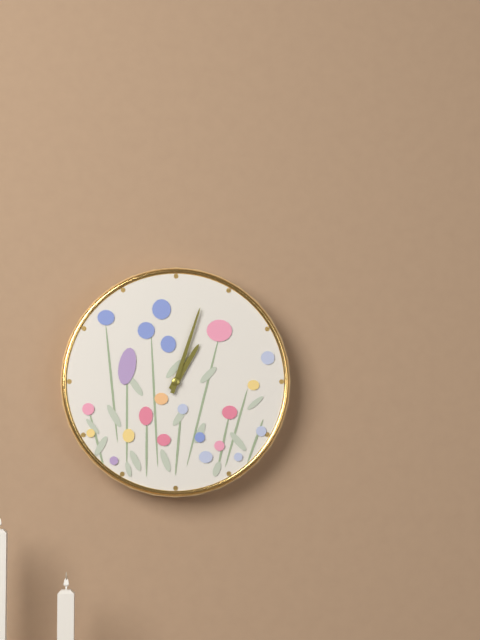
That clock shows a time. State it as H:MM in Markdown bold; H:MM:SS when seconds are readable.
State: **1:03**
